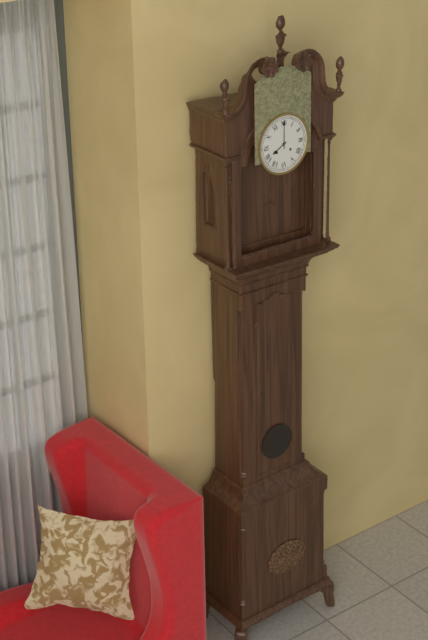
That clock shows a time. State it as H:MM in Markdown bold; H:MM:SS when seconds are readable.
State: **8:00**
